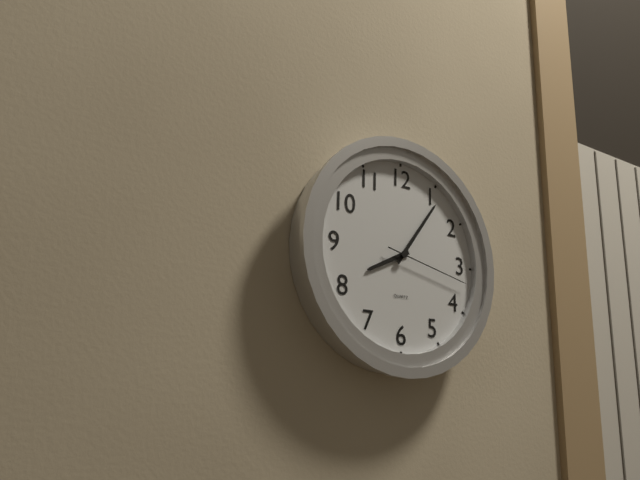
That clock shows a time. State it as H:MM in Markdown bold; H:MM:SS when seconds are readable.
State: **8:06:17**
